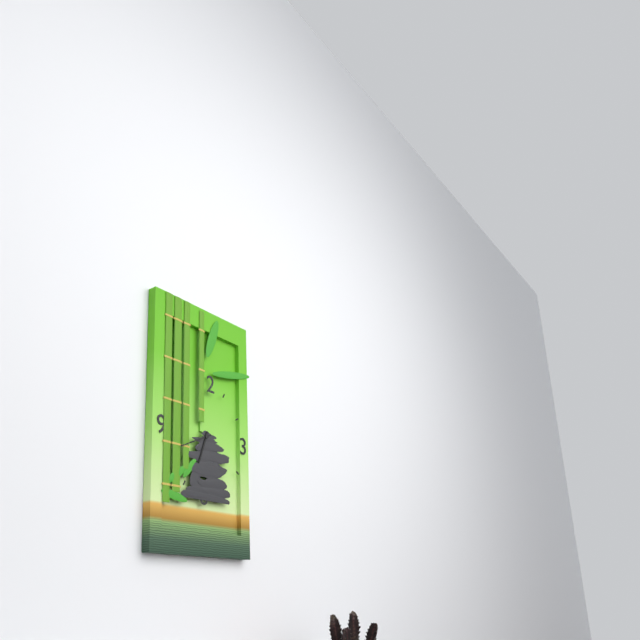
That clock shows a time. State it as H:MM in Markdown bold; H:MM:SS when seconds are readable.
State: **6:41**
